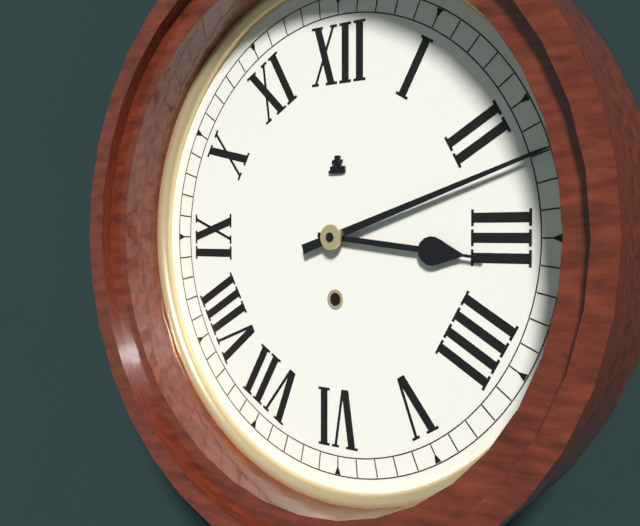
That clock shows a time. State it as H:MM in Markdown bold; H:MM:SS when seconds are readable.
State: **3:12**
